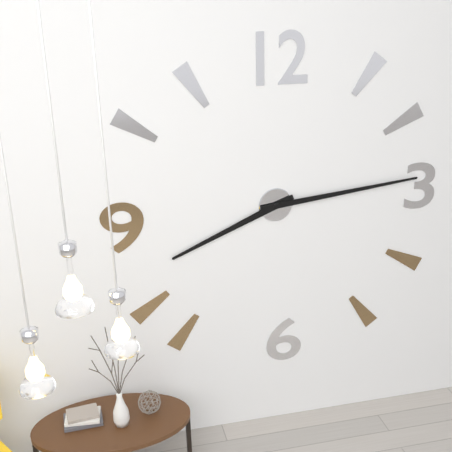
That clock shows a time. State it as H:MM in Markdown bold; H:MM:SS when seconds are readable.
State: **8:14**
